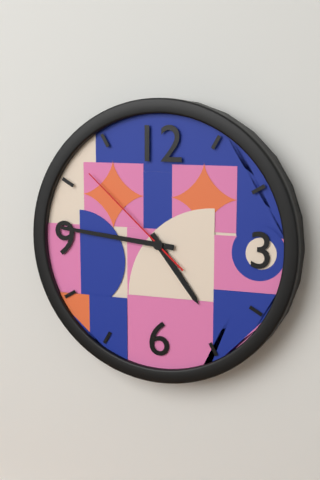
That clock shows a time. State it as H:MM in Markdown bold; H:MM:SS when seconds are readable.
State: **4:46:52**
